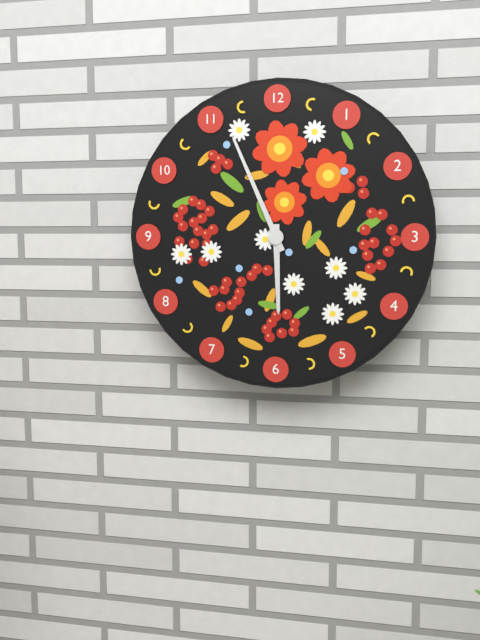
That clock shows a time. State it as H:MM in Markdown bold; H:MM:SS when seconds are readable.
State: **5:56**
